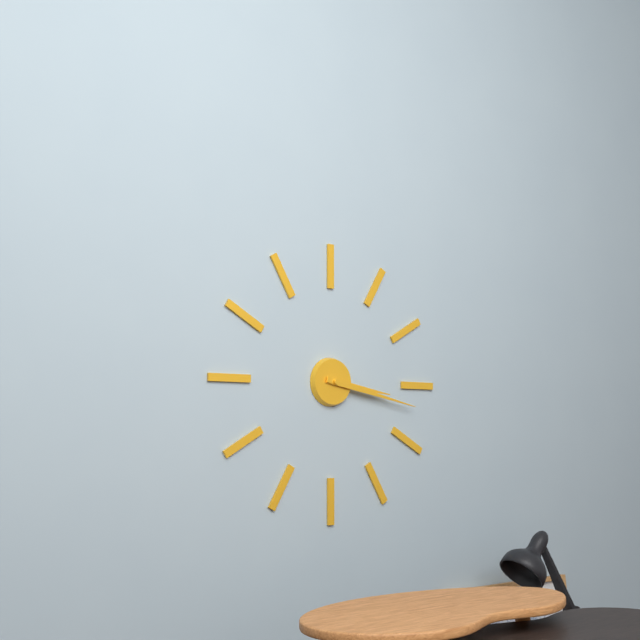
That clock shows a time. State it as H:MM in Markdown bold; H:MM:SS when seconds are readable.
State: **3:17**
